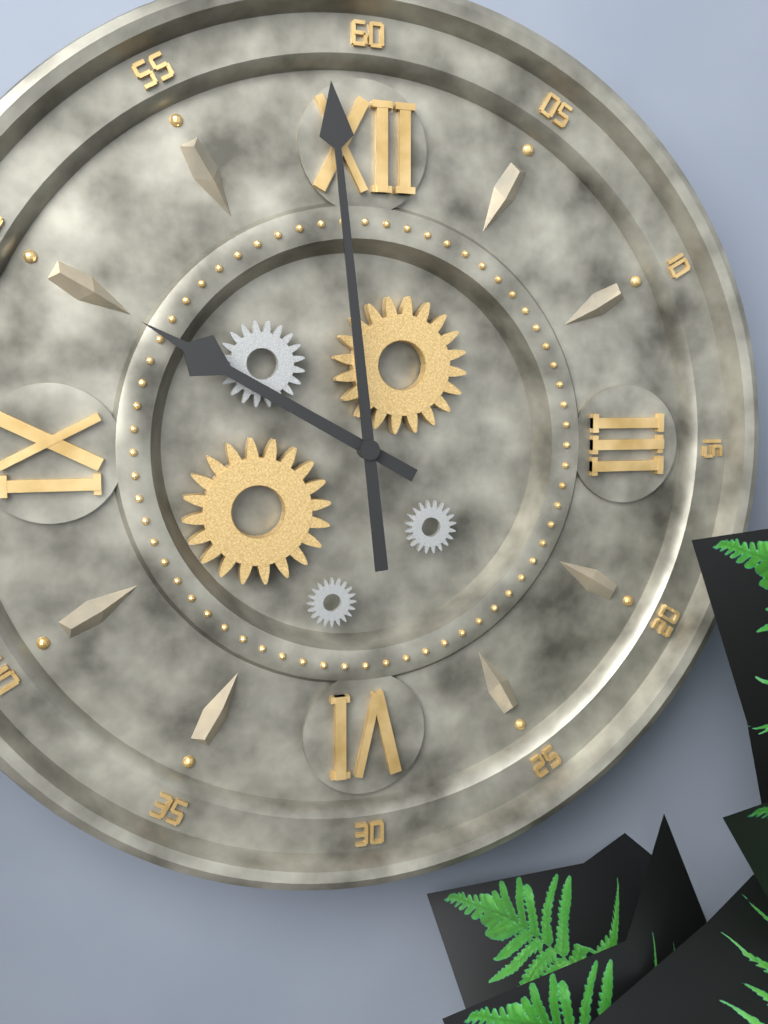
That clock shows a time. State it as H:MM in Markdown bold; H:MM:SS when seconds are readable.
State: **9:59**
